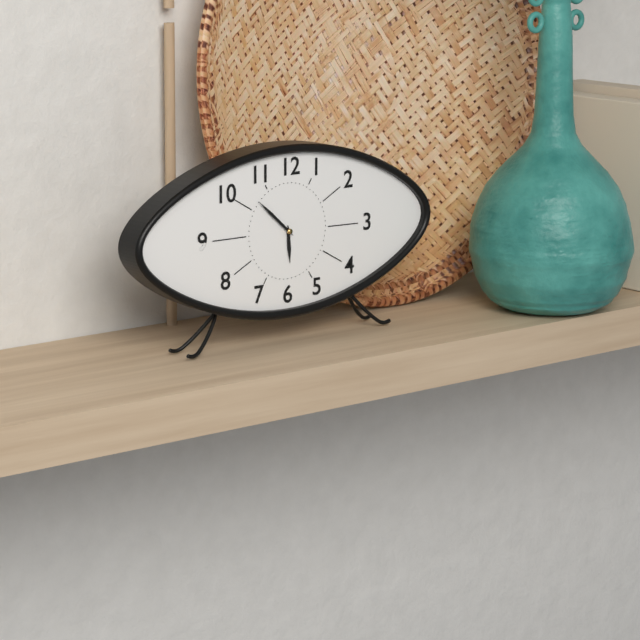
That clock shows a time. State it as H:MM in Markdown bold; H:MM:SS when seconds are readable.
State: **5:52**
